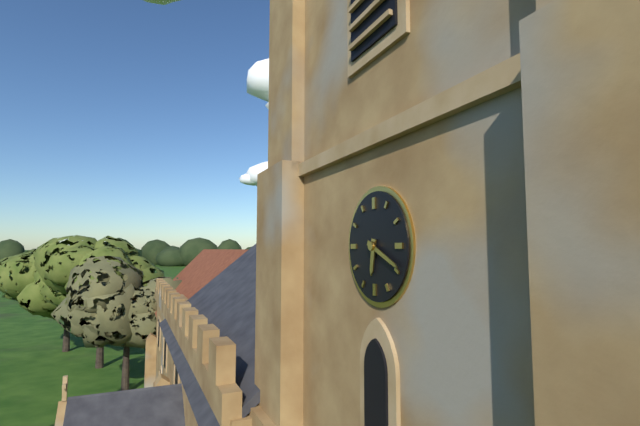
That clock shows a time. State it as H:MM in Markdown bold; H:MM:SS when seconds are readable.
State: **6:19**
